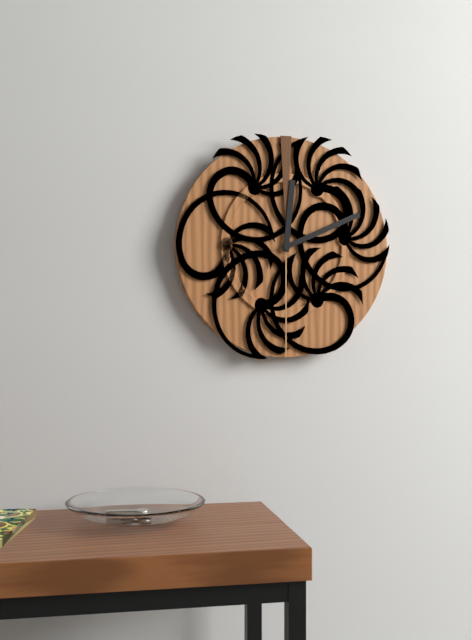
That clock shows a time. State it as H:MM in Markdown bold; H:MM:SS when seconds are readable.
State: **12:11**
